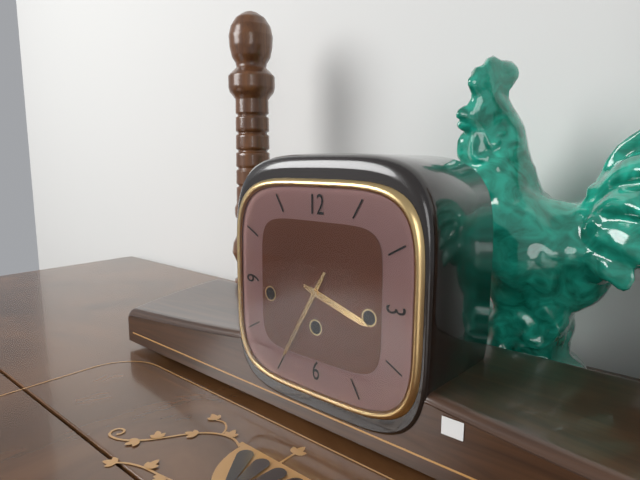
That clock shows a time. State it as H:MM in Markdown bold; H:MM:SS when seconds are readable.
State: **3:35**
